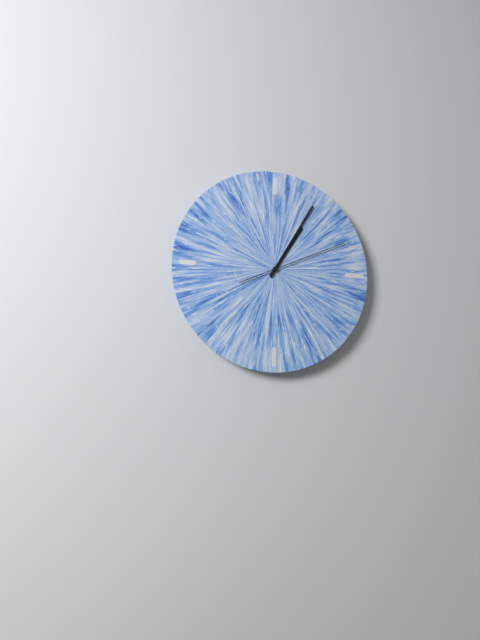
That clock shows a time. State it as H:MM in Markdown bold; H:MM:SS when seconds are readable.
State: **1:05:11**
